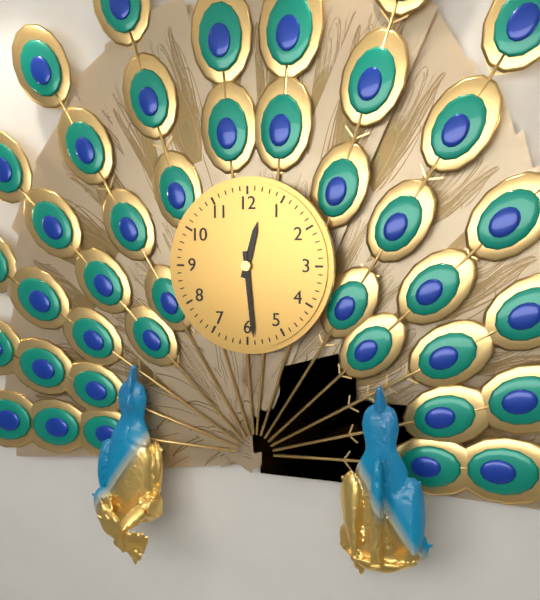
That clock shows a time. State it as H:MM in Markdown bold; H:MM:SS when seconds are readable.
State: **12:29**
